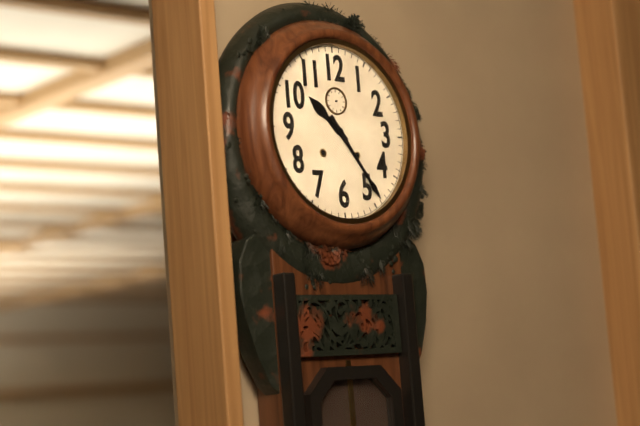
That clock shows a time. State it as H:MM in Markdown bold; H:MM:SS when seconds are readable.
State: **10:24**
